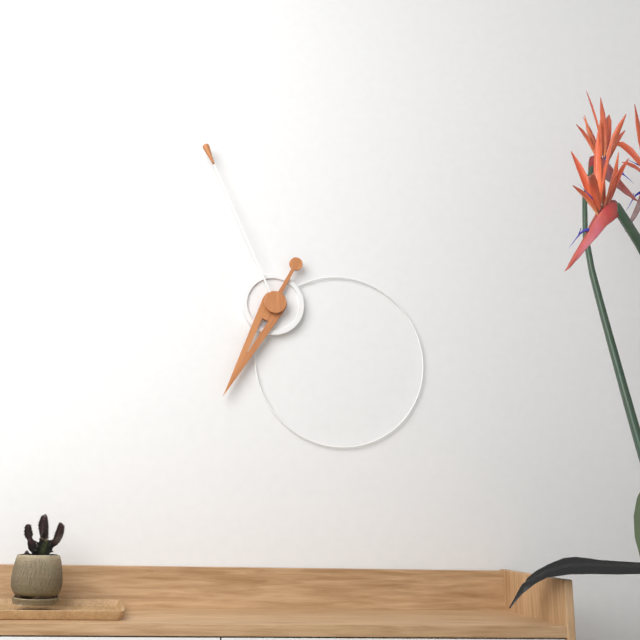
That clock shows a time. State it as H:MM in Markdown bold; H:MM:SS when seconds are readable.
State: **6:56**
